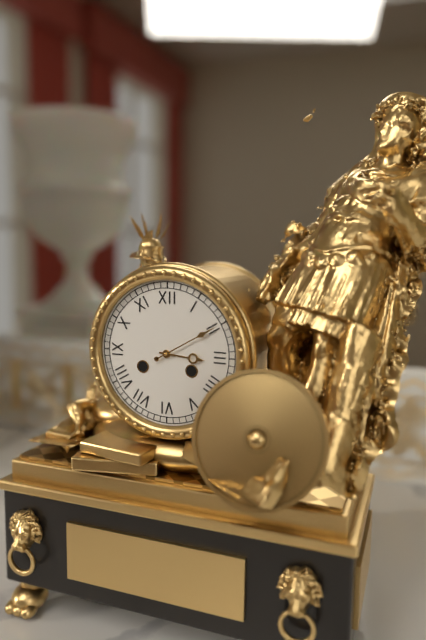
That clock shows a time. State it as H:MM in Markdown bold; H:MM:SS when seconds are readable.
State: **3:10**
